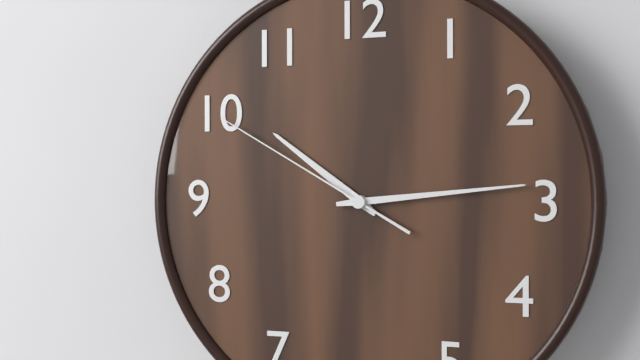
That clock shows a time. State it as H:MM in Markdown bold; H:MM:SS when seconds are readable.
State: **10:14:50**
